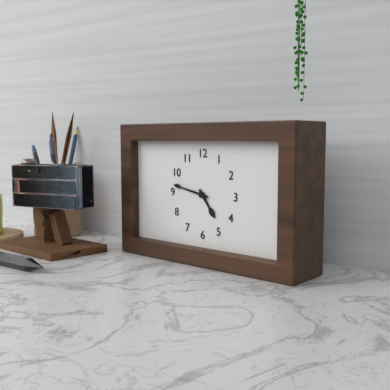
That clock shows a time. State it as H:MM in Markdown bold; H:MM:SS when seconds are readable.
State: **4:47**
